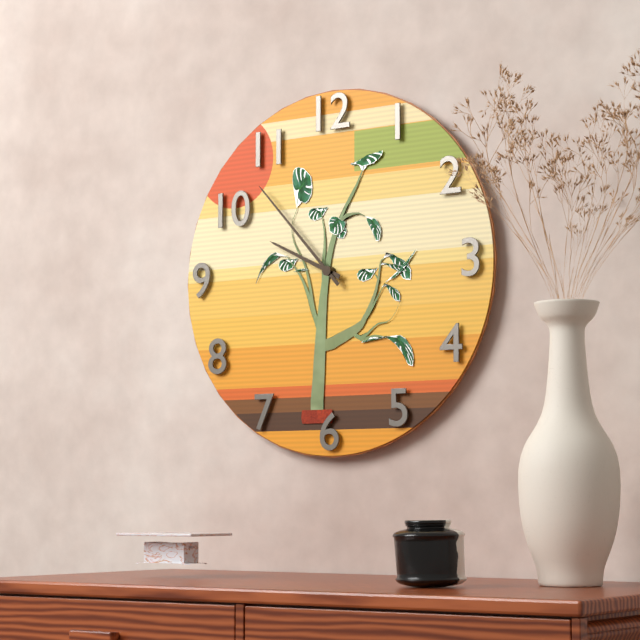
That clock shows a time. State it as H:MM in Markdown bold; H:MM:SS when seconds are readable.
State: **9:53**
